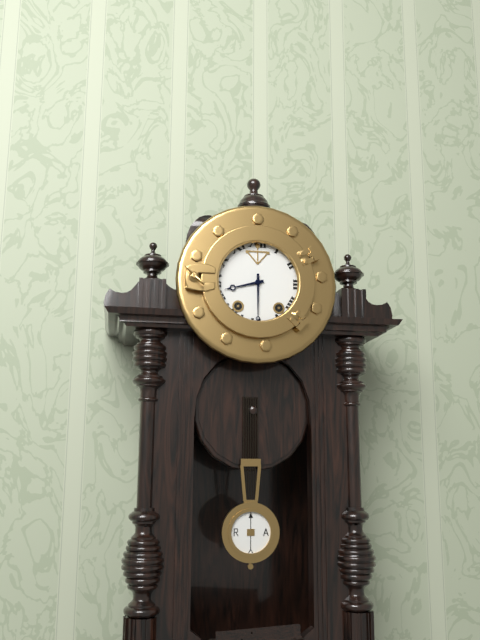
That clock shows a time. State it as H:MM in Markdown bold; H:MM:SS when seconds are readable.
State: **8:30**
